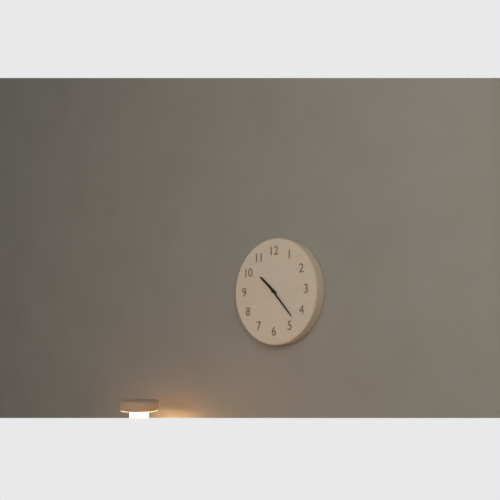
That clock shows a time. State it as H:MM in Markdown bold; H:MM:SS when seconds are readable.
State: **10:23**
